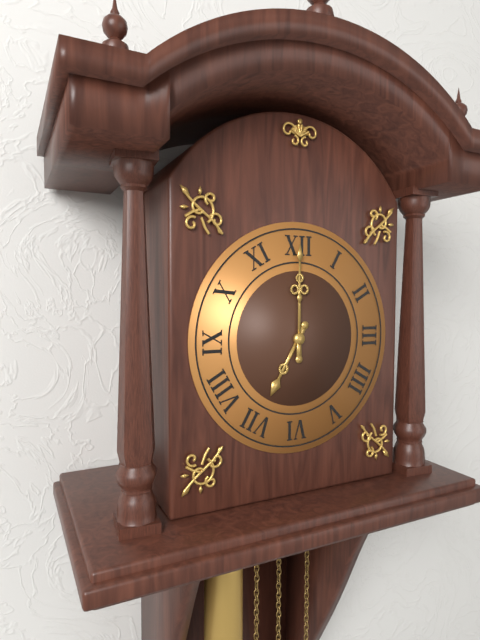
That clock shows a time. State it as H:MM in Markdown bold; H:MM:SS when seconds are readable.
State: **7:00**
